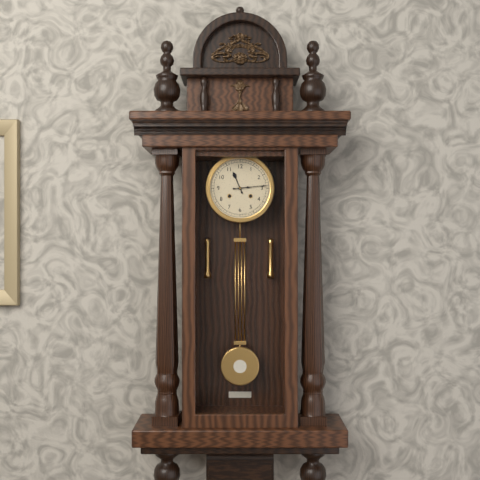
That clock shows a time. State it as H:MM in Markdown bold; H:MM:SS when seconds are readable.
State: **11:14**
